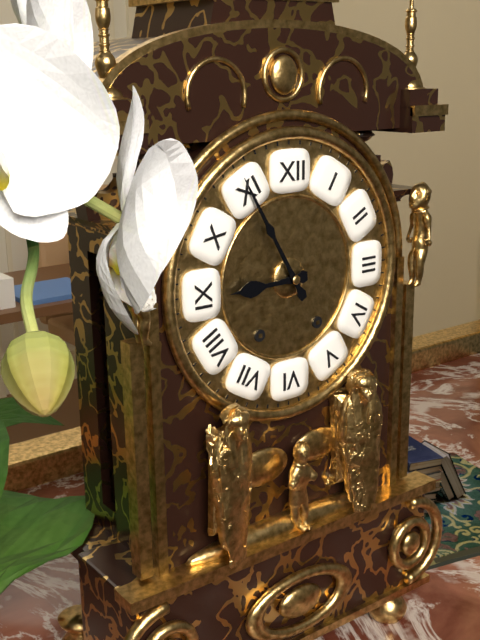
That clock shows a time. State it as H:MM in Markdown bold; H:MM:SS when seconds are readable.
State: **8:55**
